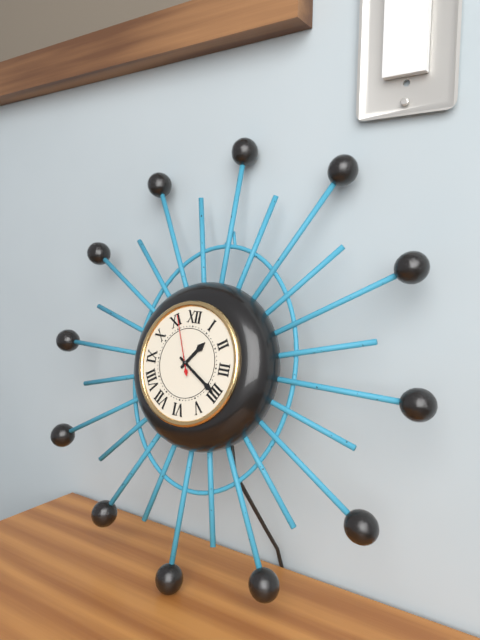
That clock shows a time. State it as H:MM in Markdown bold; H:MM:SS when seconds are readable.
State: **1:20:56**
